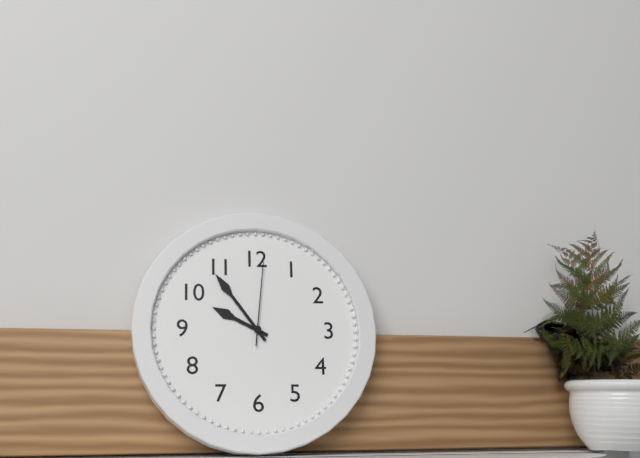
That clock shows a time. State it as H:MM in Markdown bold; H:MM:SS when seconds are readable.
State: **9:54:01**
